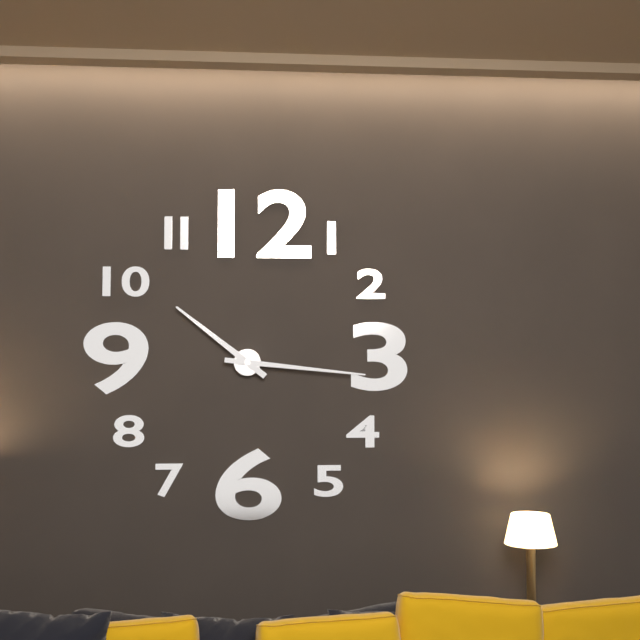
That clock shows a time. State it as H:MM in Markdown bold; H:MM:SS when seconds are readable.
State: **10:16**
